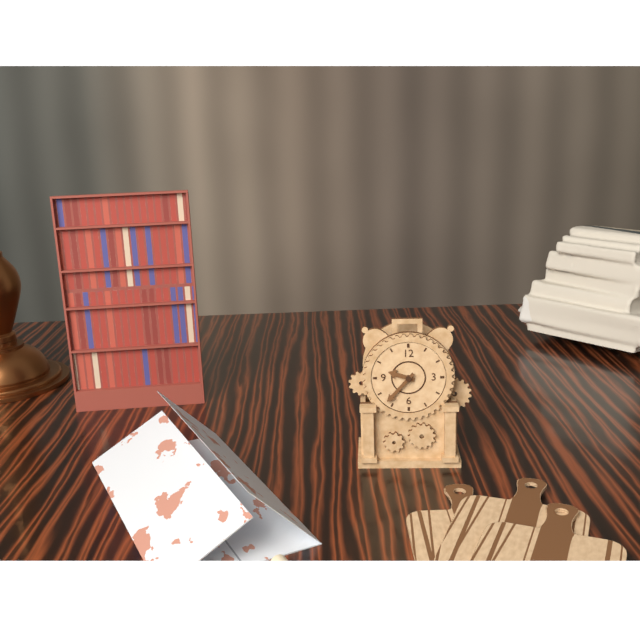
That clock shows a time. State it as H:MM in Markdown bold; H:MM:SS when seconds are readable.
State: **9:37**
